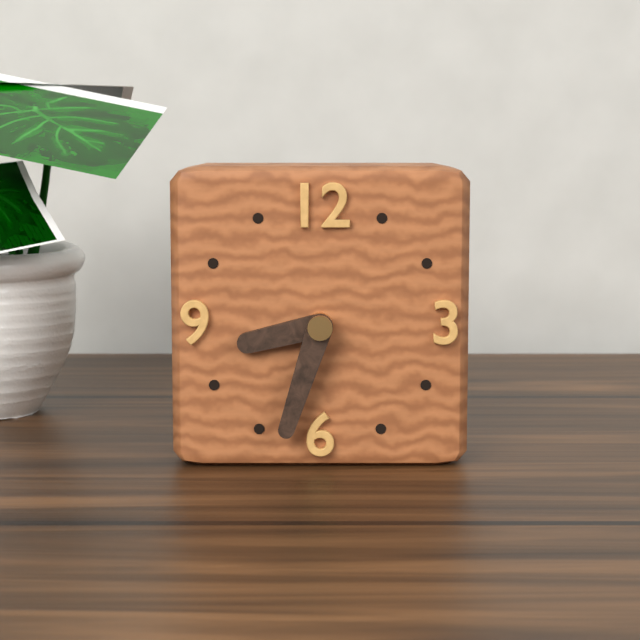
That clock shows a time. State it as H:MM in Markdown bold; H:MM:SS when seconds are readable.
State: **8:33**
